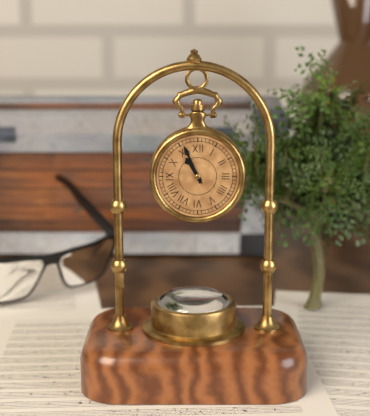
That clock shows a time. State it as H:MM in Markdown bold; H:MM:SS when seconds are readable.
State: **10:56**
